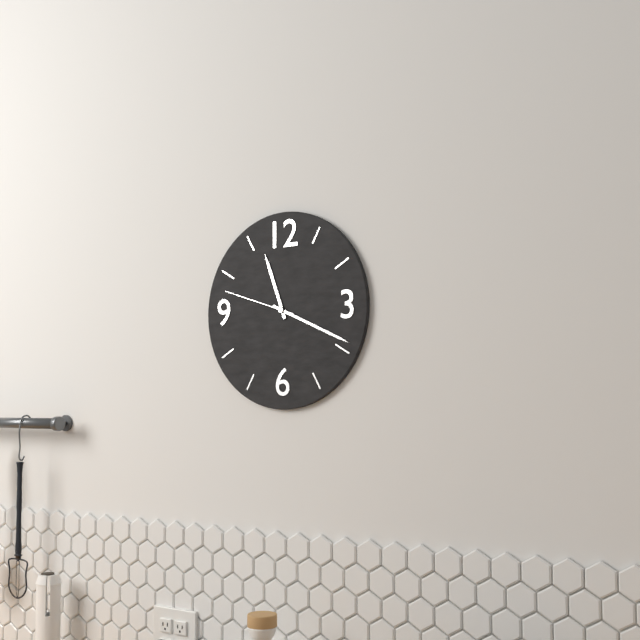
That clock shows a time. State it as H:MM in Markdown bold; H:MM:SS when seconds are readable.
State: **11:19:48**
